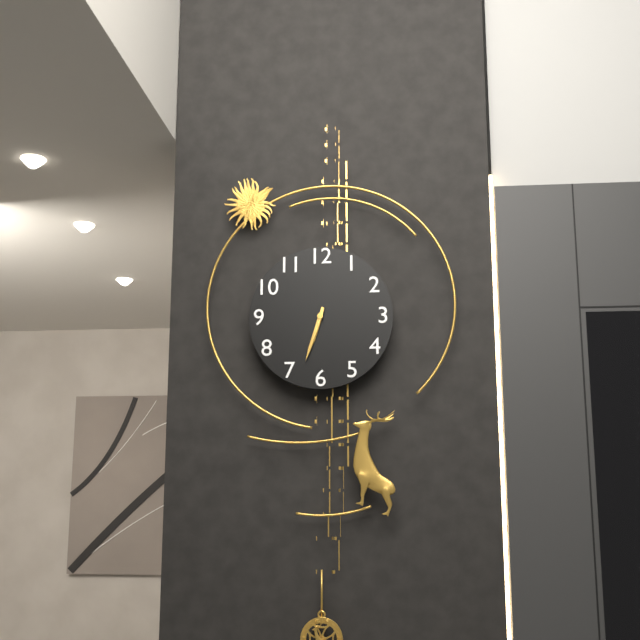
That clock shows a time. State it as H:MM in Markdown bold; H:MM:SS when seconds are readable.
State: **6:33**
